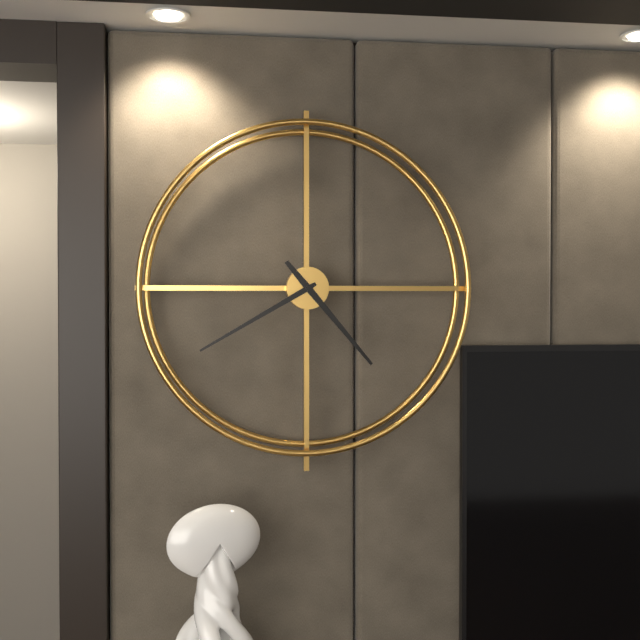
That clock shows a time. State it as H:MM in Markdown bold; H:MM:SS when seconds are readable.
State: **4:40**
